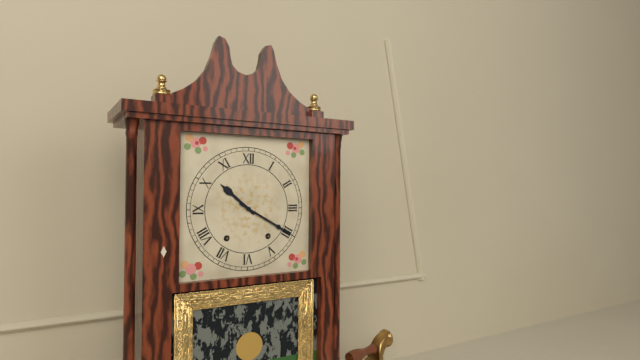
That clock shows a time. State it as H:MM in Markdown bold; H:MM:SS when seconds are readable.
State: **10:20**
